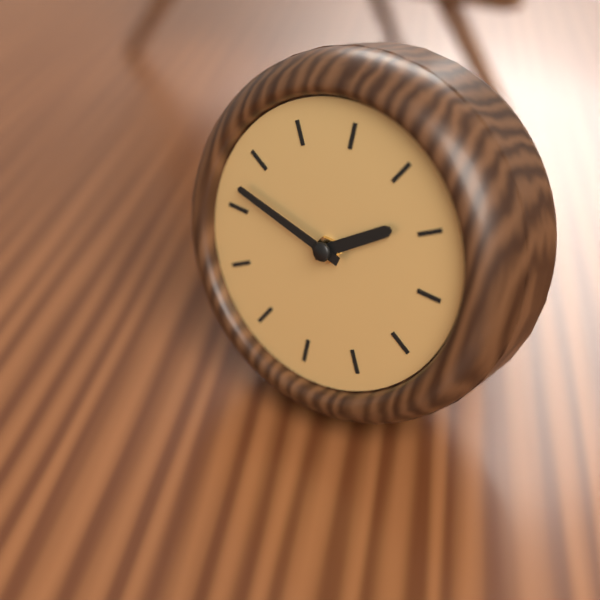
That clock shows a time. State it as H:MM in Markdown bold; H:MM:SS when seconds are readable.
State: **1:47**
